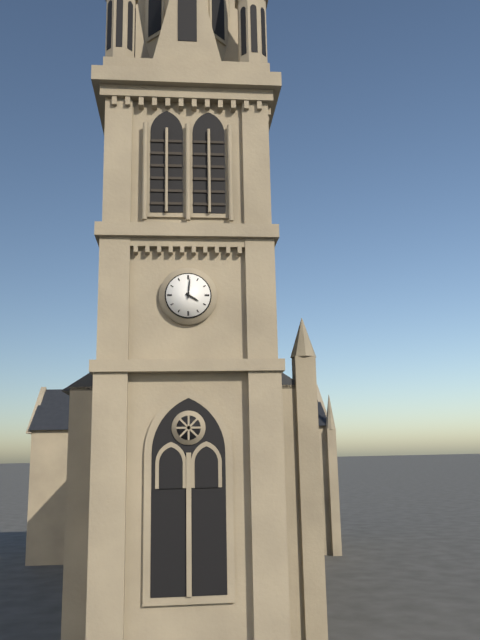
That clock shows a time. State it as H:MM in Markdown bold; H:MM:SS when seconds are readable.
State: **4:01**
